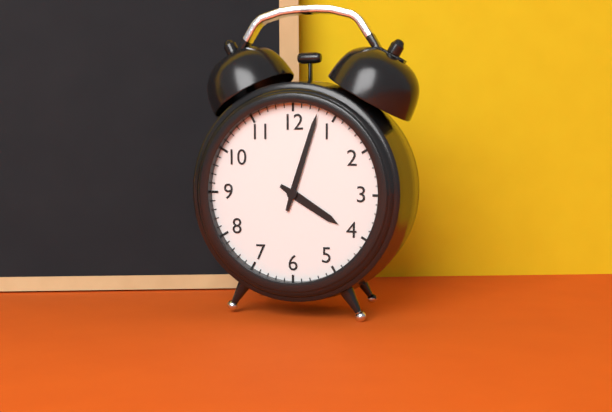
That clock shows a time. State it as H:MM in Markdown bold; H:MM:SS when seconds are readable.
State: **4:03**
